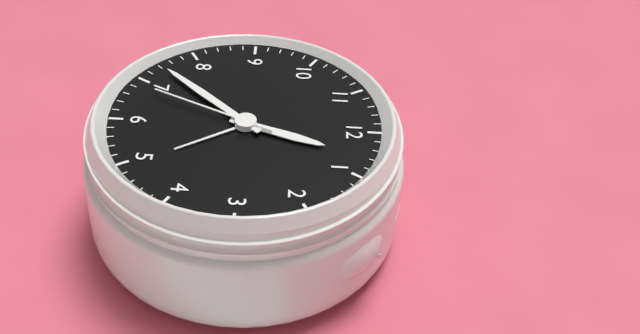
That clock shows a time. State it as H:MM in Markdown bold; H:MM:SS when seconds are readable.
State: **12:37:34**
